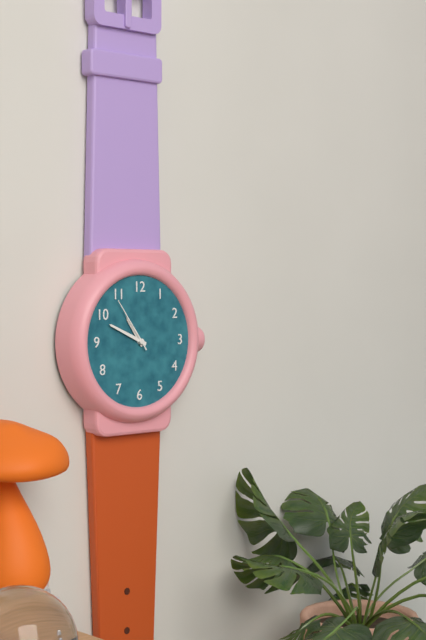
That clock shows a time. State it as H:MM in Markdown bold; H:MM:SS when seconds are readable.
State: **10:49:54**
